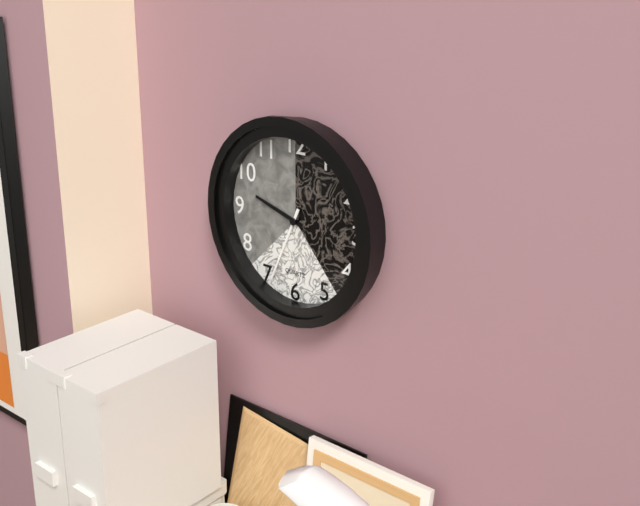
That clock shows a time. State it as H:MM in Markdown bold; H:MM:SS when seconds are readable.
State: **9:34**
